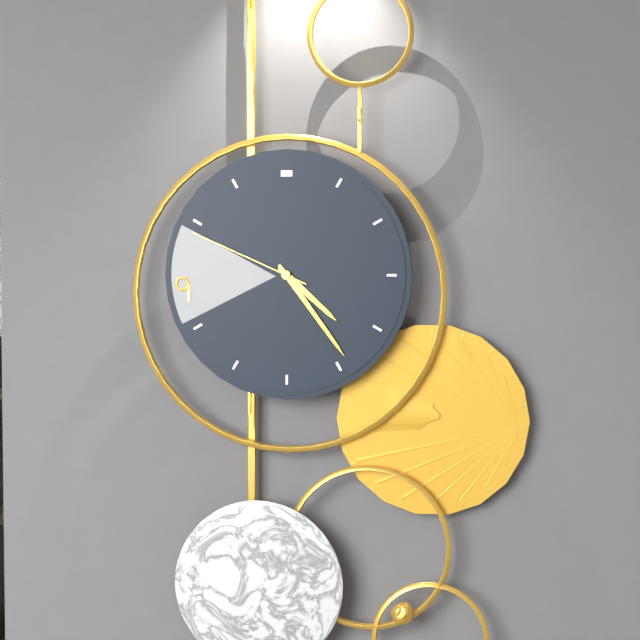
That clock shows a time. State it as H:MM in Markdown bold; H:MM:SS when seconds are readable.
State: **4:24:49**
